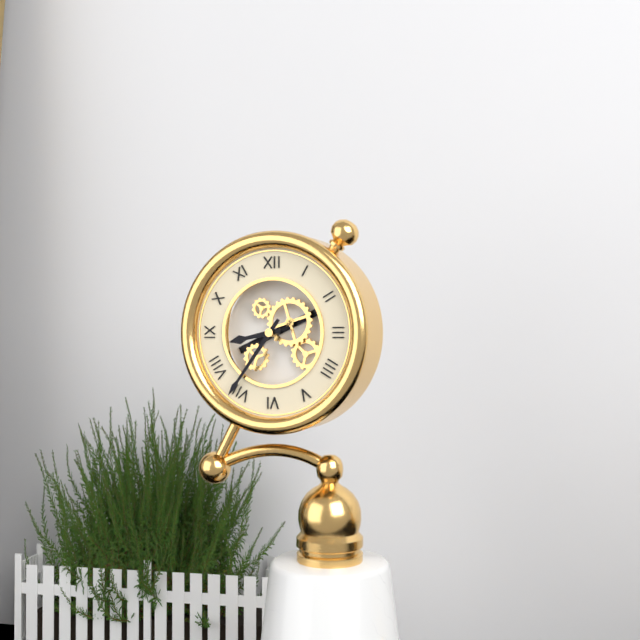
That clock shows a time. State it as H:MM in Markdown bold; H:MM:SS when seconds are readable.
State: **8:36**
